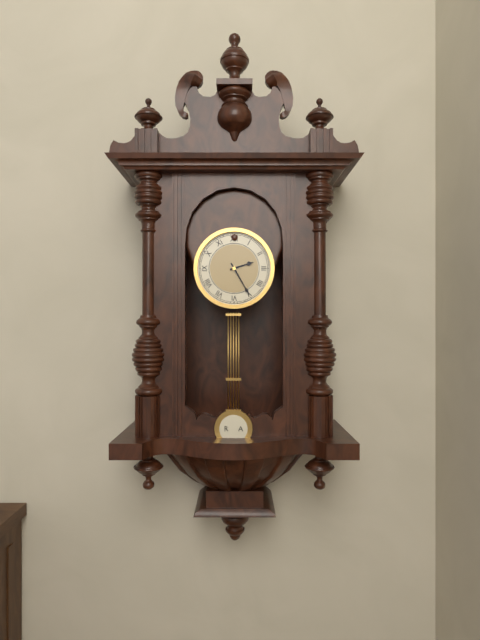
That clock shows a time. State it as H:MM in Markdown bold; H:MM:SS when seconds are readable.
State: **2:25**
